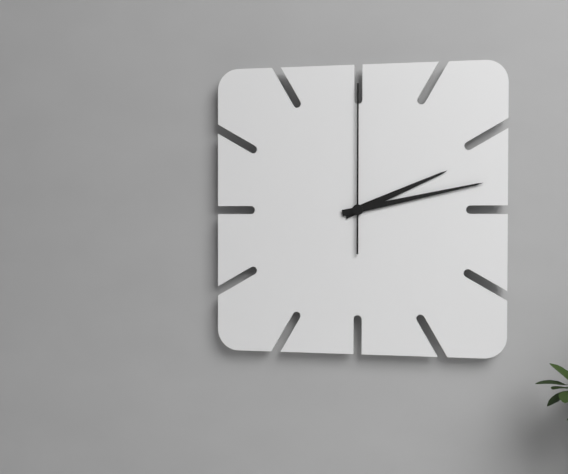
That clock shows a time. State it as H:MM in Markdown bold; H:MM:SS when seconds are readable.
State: **2:13:00**
